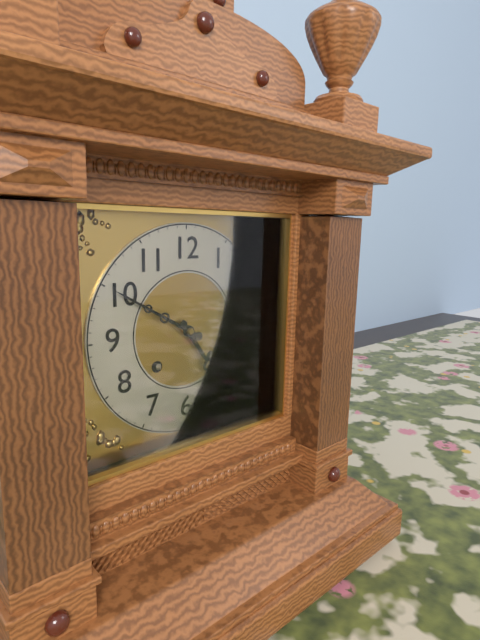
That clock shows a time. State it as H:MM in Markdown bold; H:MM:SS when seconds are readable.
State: **4:50**
